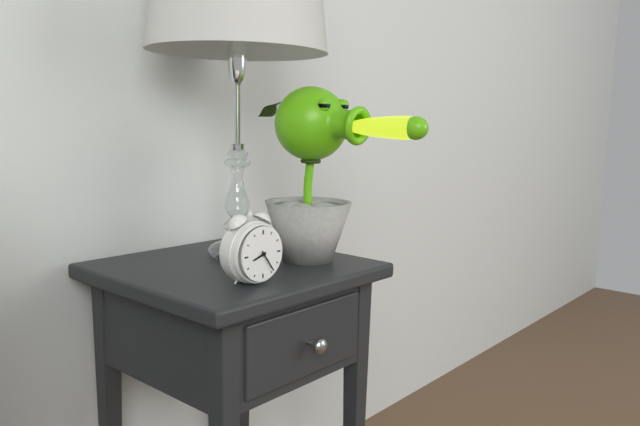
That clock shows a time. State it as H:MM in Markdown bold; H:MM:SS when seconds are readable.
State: **8:24**
